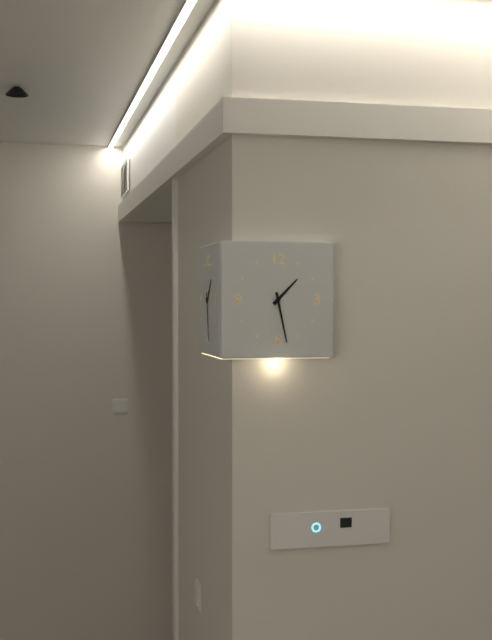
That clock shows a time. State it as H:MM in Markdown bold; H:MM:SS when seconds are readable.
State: **1:28**
